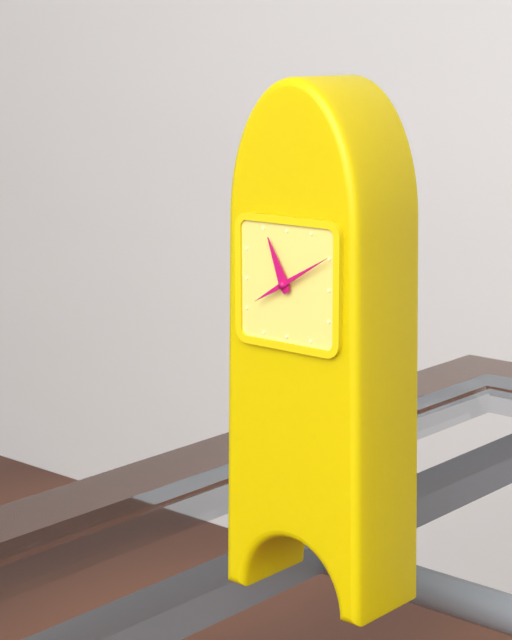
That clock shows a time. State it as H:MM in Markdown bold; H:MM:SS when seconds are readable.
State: **11:10**
